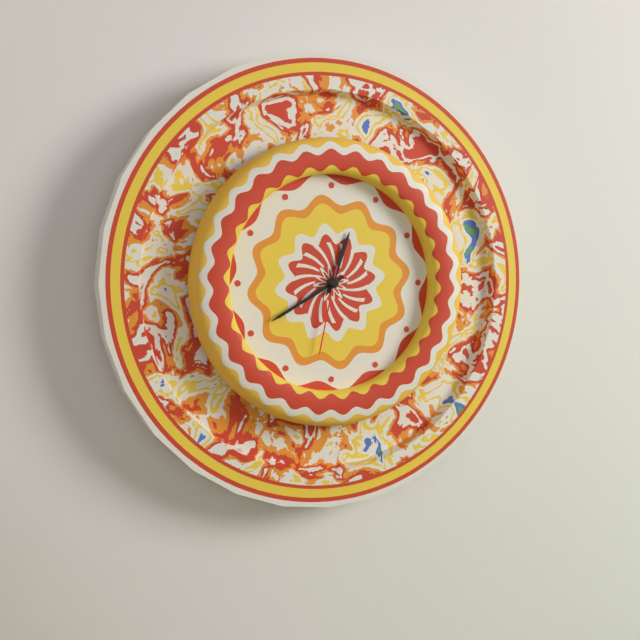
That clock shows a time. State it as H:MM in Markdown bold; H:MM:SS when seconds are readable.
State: **12:40:32**
